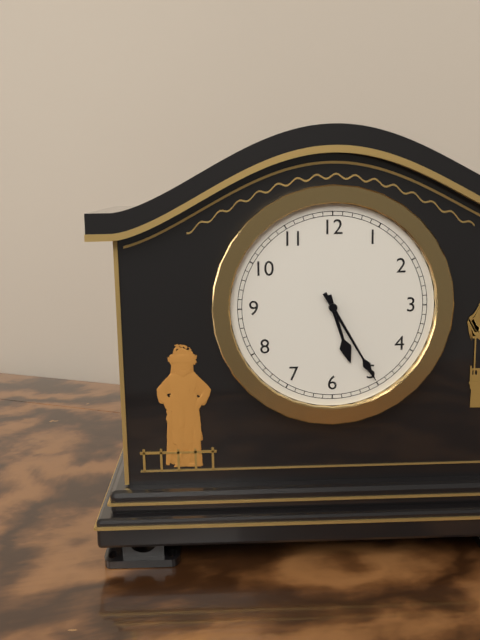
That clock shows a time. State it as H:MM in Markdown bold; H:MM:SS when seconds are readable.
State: **5:25**
